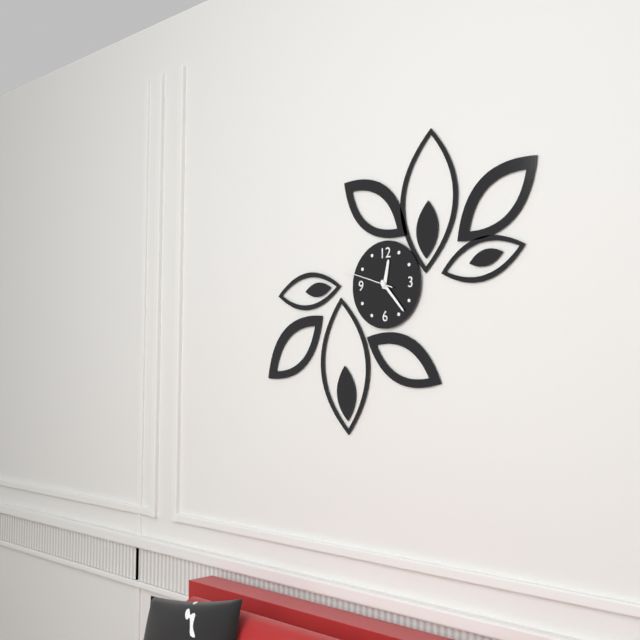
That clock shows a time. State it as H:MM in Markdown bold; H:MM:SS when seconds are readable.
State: **12:23:48**
